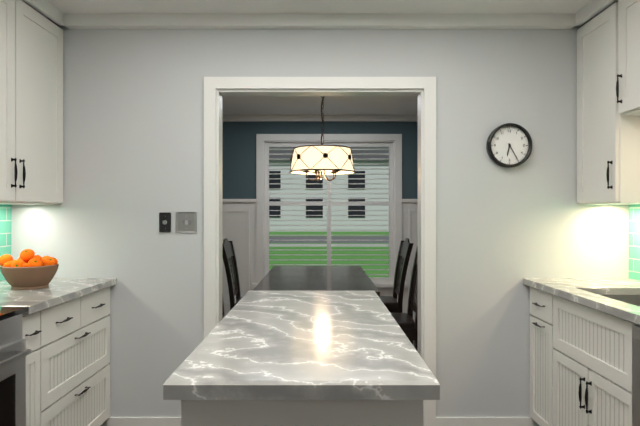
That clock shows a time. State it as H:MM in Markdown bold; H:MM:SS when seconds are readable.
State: **6:25**
